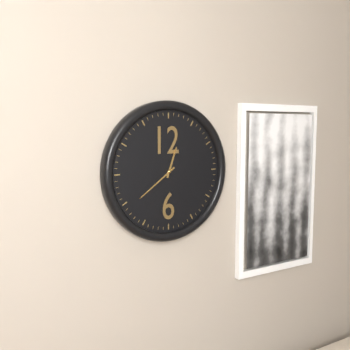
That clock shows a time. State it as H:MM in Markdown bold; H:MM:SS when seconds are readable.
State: **12:39**
